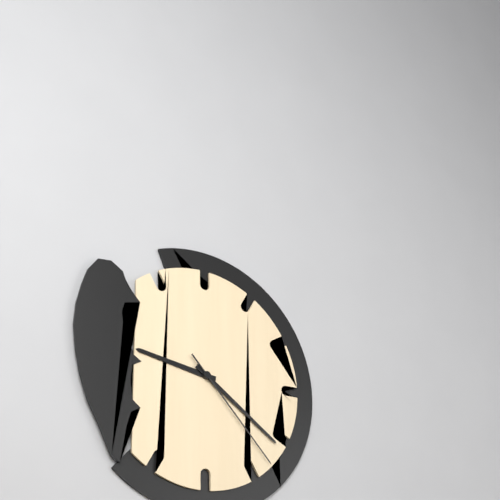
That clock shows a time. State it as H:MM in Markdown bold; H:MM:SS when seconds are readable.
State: **9:21:23**
